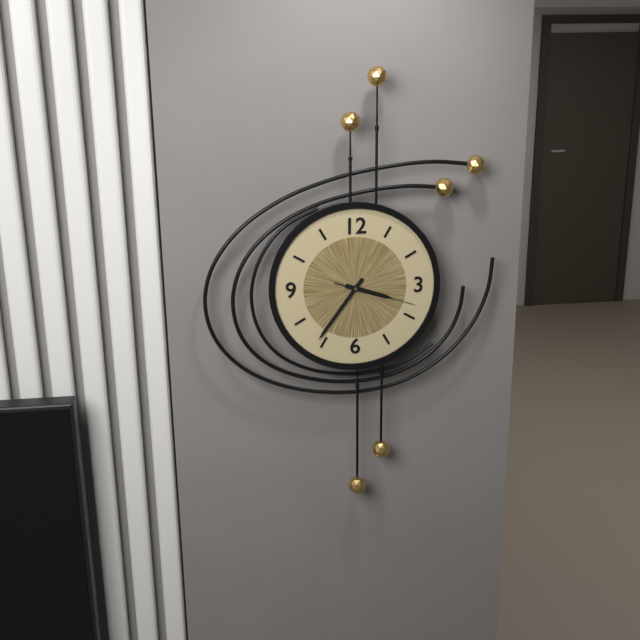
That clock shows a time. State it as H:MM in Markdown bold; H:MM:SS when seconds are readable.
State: **3:36:18**
